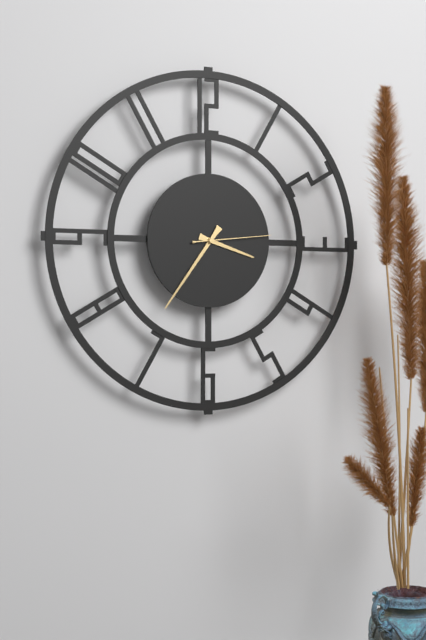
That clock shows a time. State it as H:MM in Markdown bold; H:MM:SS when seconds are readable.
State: **3:36:14**
